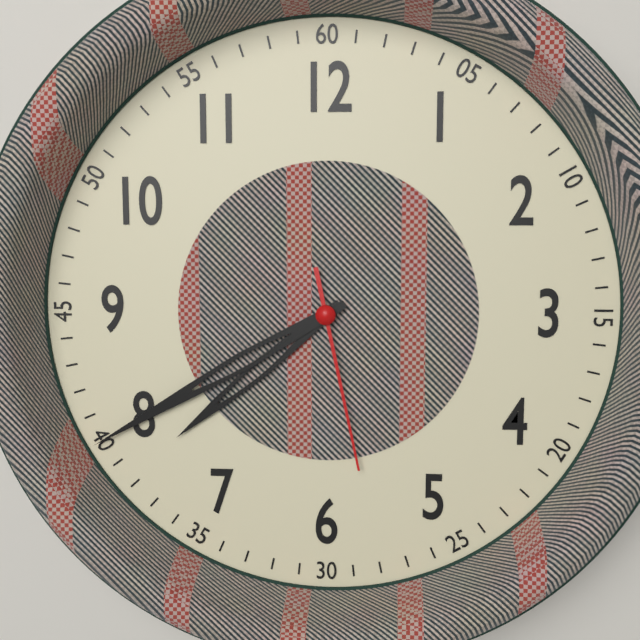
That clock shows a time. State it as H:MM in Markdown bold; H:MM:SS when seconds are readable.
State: **7:40:28**
